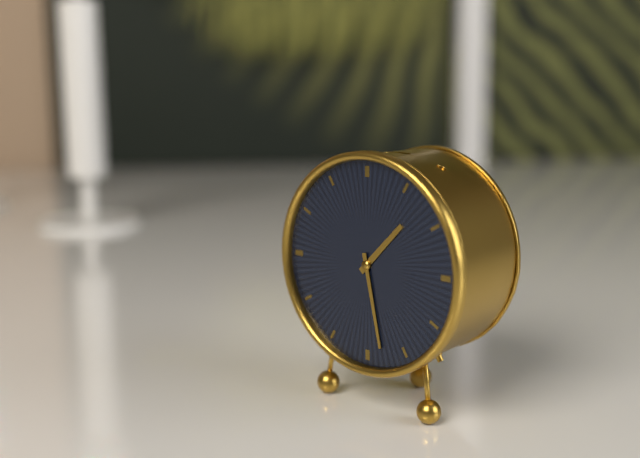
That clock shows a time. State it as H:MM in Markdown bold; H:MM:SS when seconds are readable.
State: **1:28**
